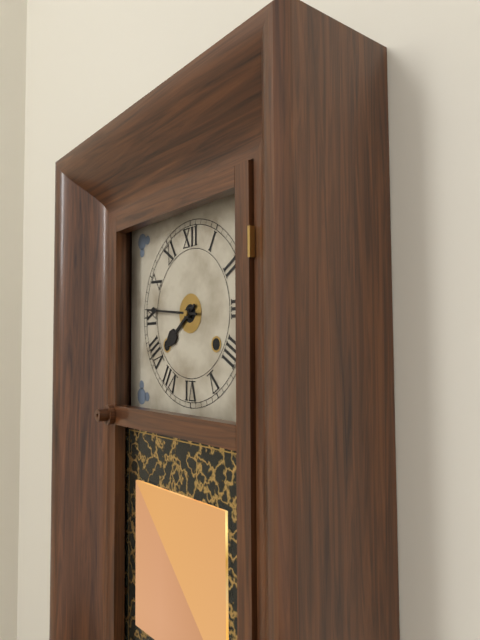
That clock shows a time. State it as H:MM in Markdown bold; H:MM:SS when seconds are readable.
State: **7:46**
